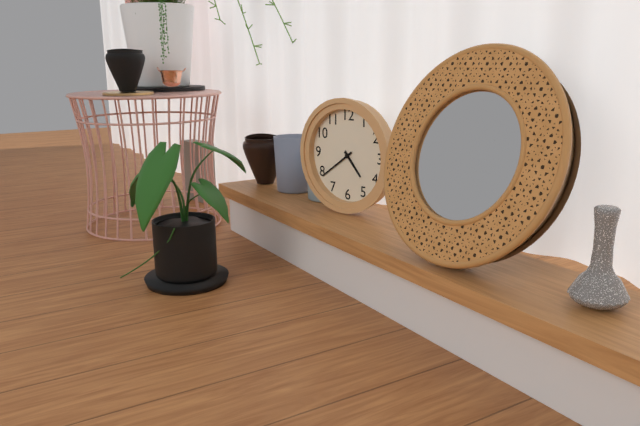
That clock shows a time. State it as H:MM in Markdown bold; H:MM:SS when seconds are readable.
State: **4:39**
